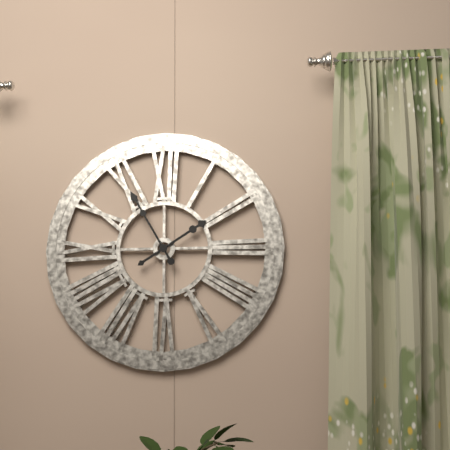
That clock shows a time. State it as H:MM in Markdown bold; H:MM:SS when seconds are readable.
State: **1:55**
